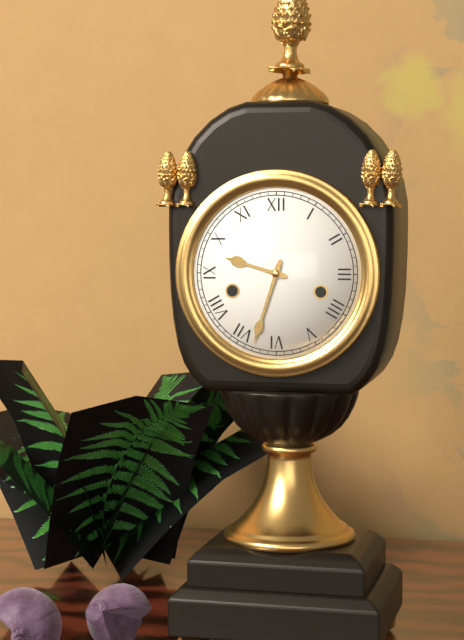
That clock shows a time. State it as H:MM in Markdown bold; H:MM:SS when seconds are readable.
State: **9:33**
